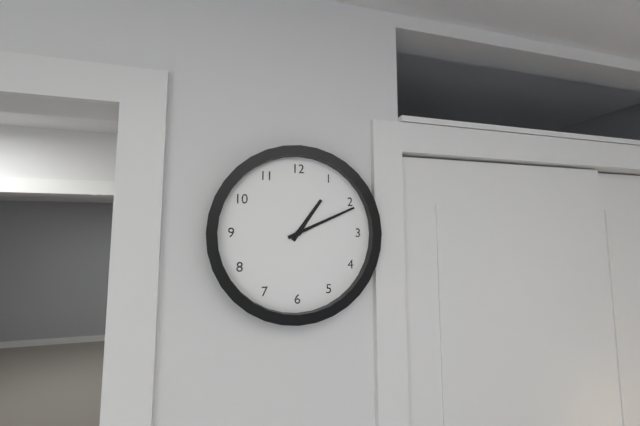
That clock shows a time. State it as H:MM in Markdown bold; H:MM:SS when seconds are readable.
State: **1:11**
